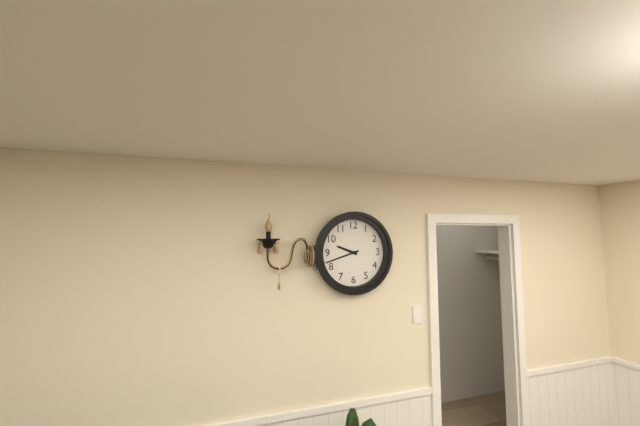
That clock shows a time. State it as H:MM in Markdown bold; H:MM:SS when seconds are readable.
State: **9:42**
